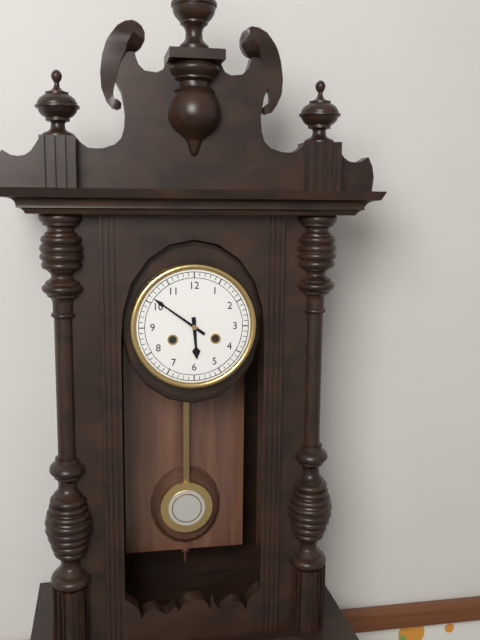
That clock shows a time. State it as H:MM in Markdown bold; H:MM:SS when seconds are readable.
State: **5:51**
